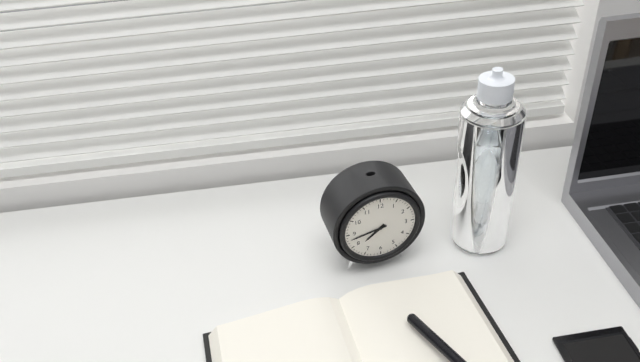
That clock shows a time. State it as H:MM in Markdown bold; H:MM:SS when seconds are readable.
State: **7:43**
